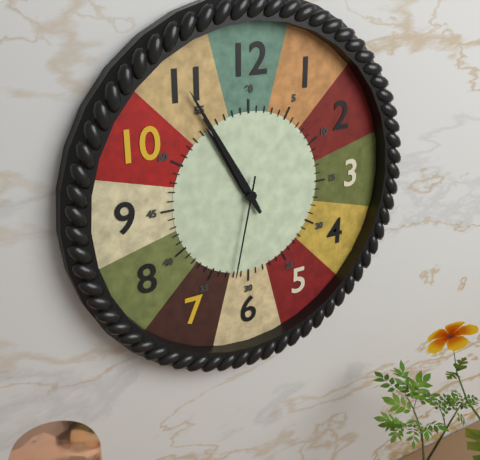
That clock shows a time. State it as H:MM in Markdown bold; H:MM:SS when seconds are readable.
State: **10:55:32**
